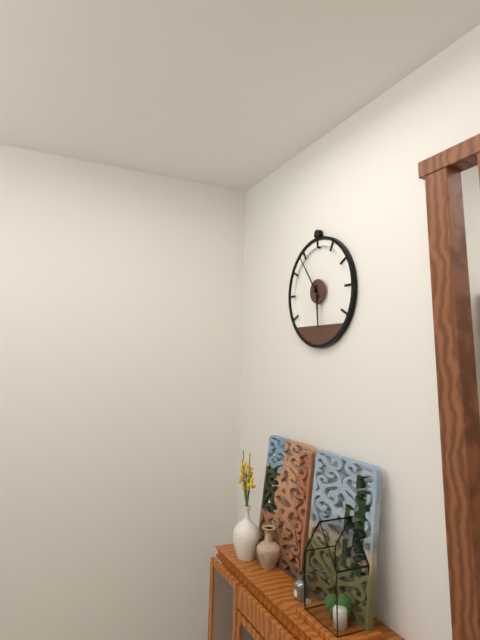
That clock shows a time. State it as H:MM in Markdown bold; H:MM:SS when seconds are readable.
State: **5:54**
